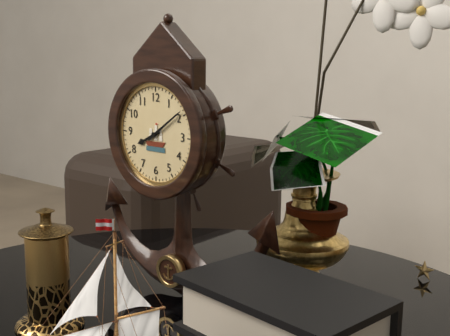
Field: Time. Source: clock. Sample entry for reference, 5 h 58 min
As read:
8 h 09 min
